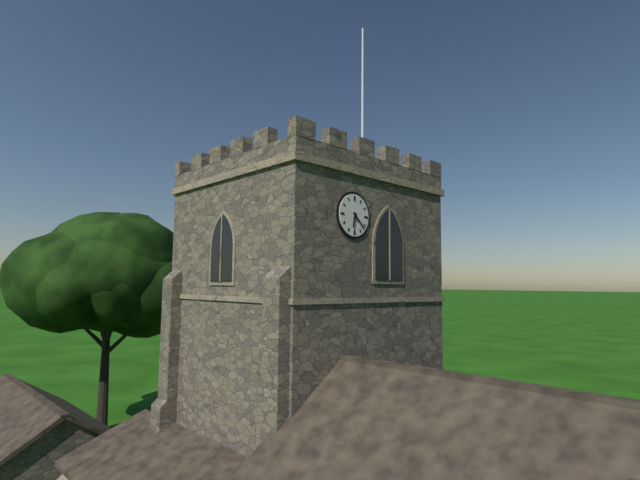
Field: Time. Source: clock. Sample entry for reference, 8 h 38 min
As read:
6 h 22 min
